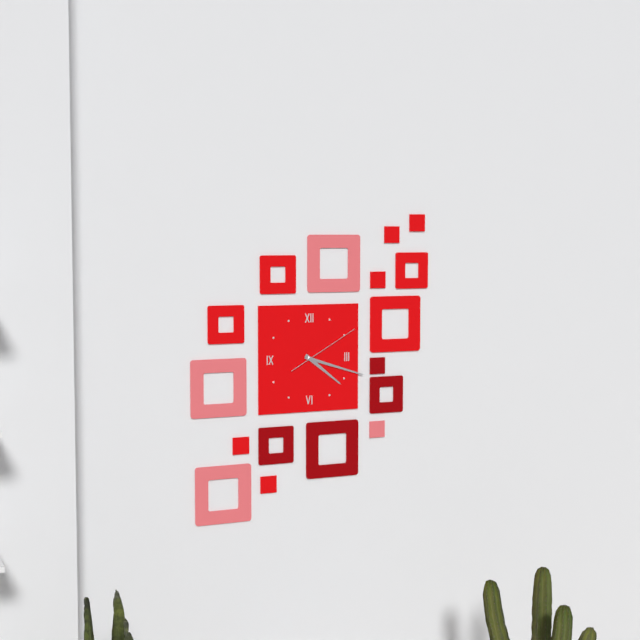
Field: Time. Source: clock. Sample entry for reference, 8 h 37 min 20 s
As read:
4 h 18 min 10 s
